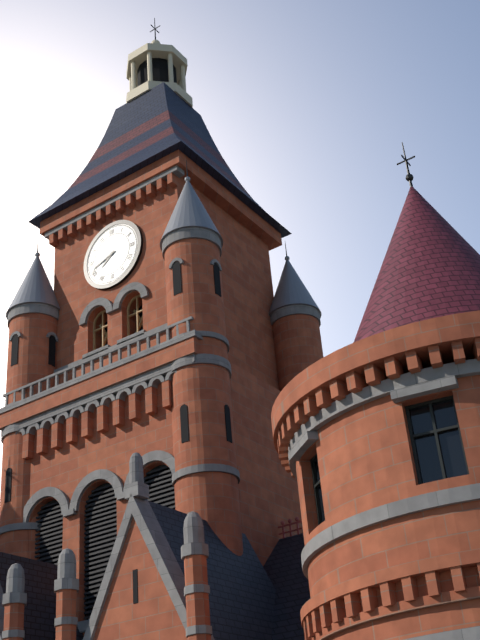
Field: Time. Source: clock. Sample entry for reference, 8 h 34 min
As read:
7 h 42 min
